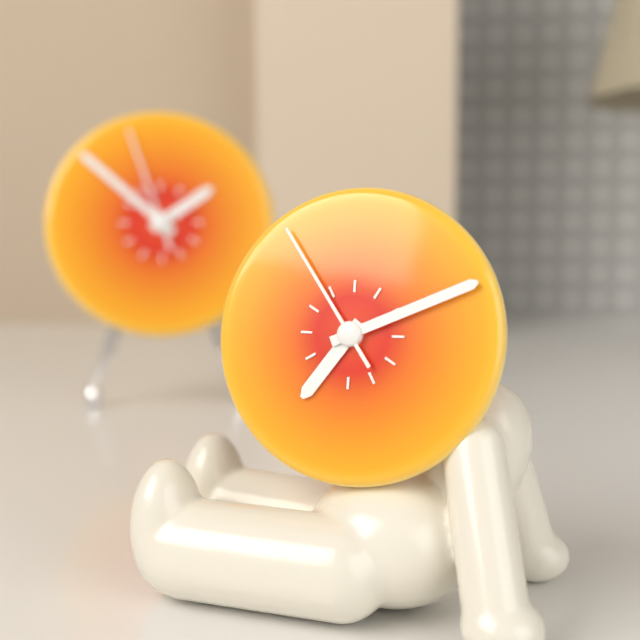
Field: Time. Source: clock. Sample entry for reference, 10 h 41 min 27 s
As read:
7 h 11 min 54 s
